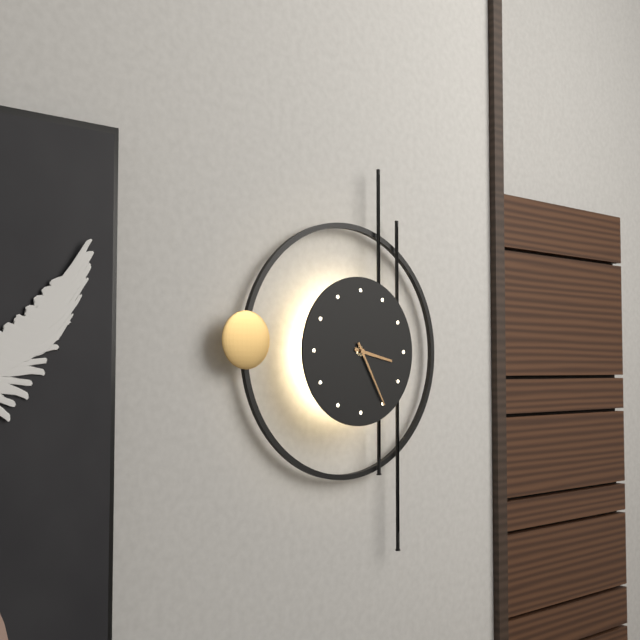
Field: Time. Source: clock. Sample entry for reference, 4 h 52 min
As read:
3 h 25 min
